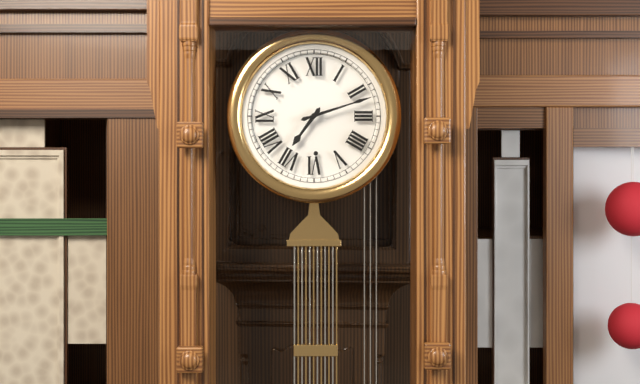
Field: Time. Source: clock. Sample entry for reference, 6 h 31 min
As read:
7 h 12 min
